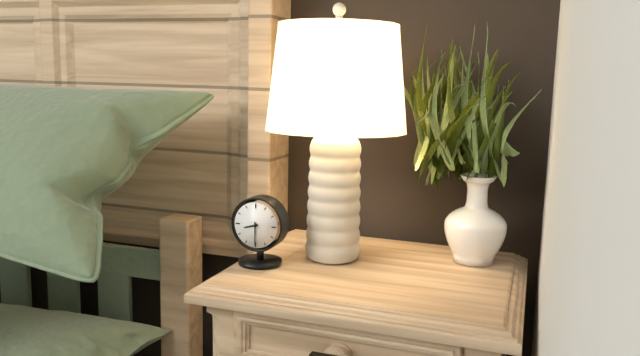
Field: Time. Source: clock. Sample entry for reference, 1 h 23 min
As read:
8 h 30 min
